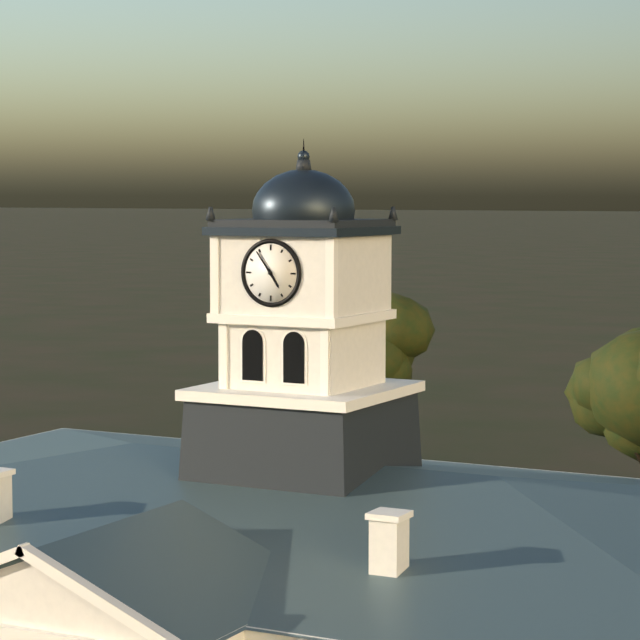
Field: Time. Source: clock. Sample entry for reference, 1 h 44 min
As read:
4 h 54 min
